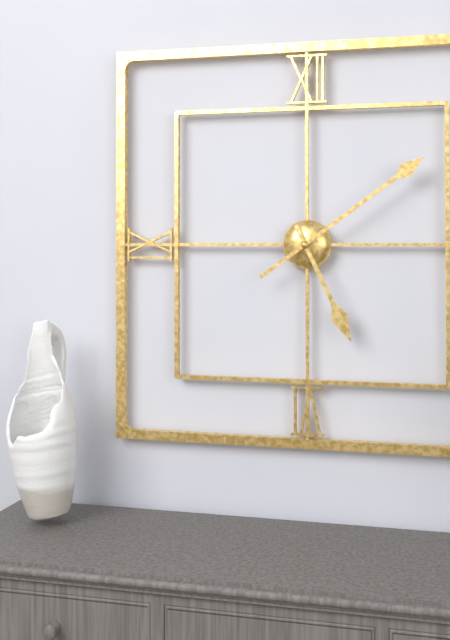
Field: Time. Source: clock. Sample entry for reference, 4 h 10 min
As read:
5 h 09 min
